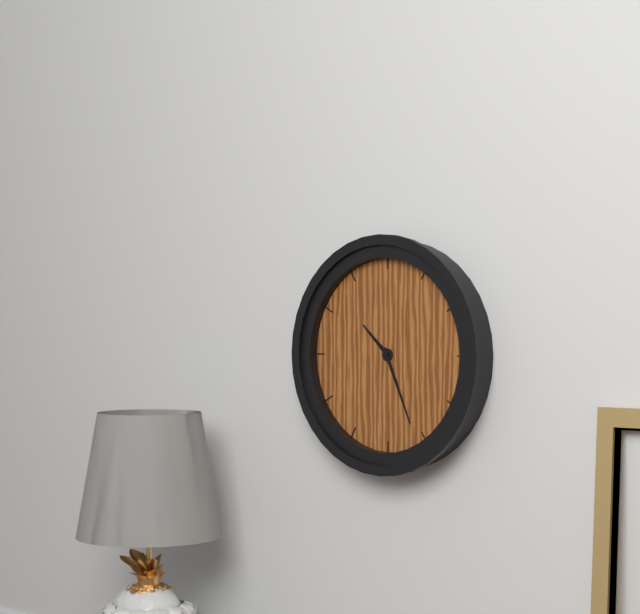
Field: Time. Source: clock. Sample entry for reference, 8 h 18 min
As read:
10 h 26 min
